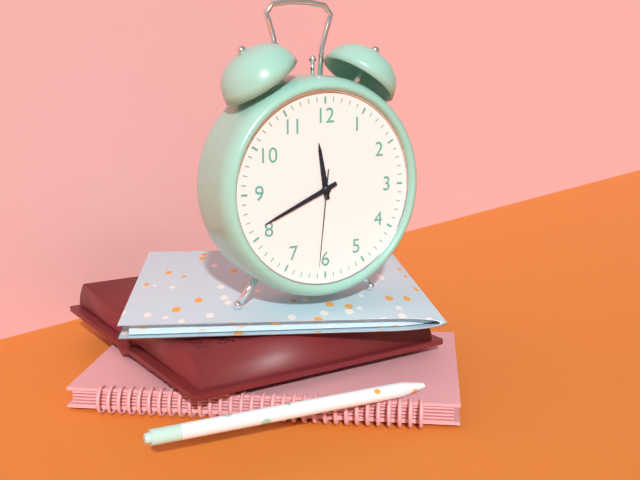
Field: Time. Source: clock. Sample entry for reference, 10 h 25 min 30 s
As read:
11 h 41 min 31 s
